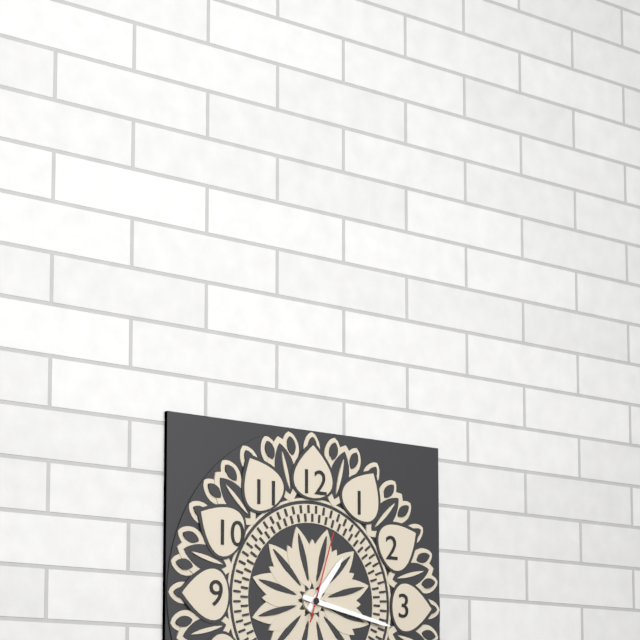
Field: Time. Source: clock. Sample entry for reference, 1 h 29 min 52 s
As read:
1 h 17 min 03 s
